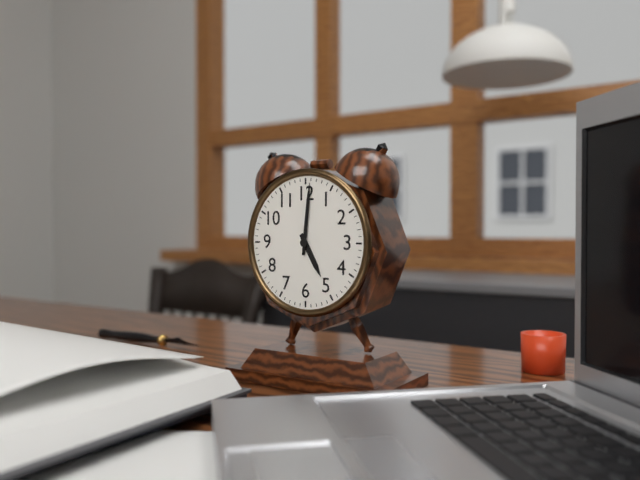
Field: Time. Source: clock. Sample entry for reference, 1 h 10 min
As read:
5 h 01 min
